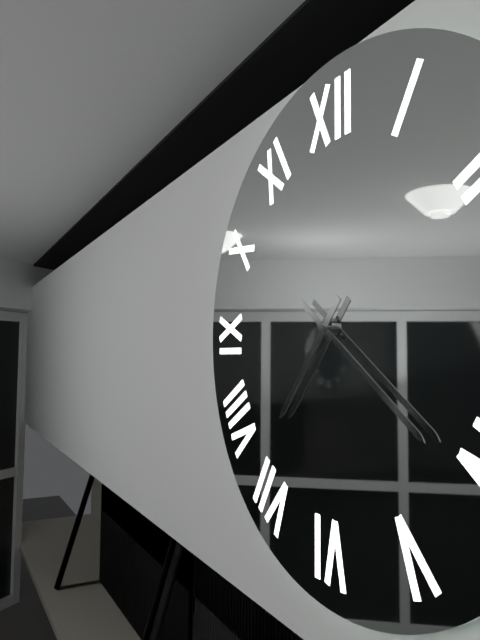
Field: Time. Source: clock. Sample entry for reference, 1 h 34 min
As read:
7 h 21 min
